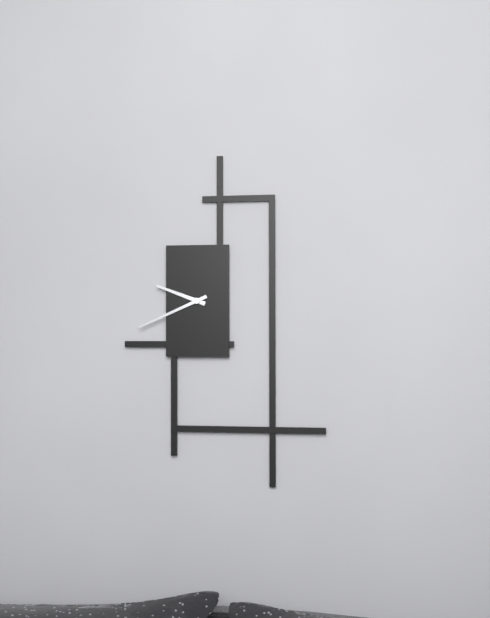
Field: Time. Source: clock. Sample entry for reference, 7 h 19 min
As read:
9 h 41 min
